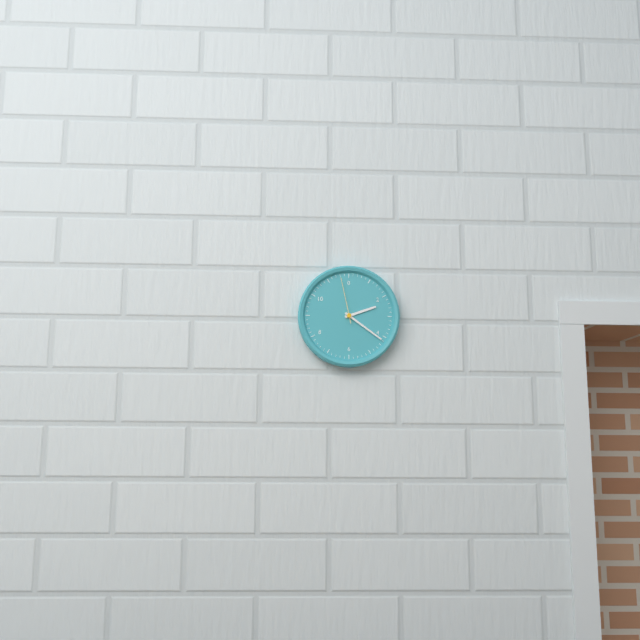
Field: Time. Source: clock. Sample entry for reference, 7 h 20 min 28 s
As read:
2 h 21 min 58 s
